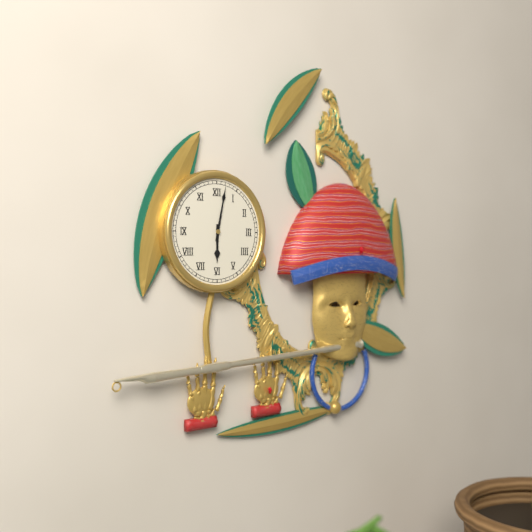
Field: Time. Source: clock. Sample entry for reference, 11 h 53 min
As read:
6 h 02 min
